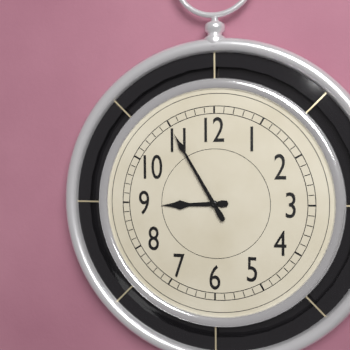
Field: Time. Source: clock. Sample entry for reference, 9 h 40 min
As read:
8 h 55 min
